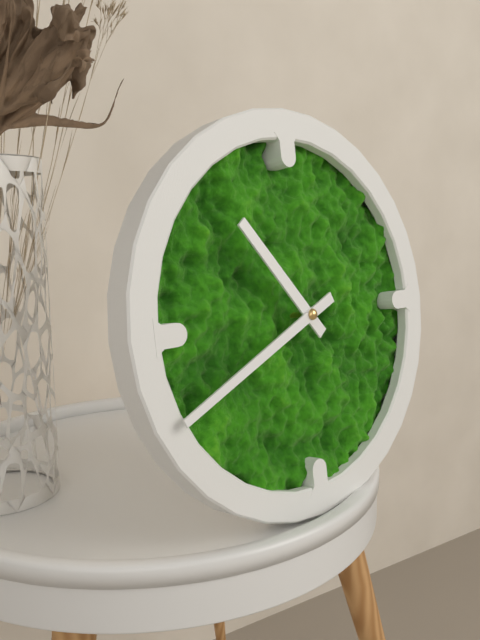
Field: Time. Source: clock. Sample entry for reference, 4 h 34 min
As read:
10 h 41 min
